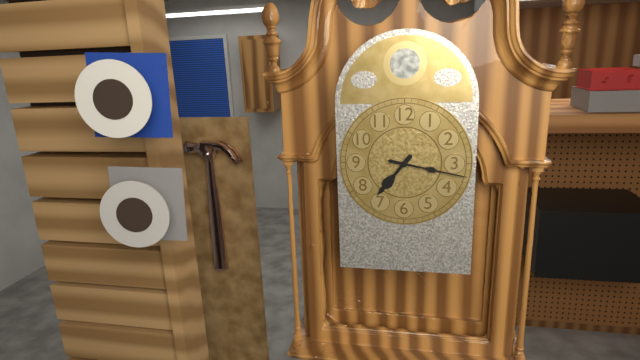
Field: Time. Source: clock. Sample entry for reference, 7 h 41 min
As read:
7 h 17 min
